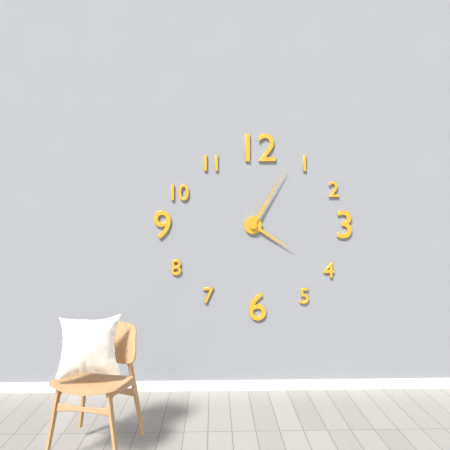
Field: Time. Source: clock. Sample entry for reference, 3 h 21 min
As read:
4 h 05 min
